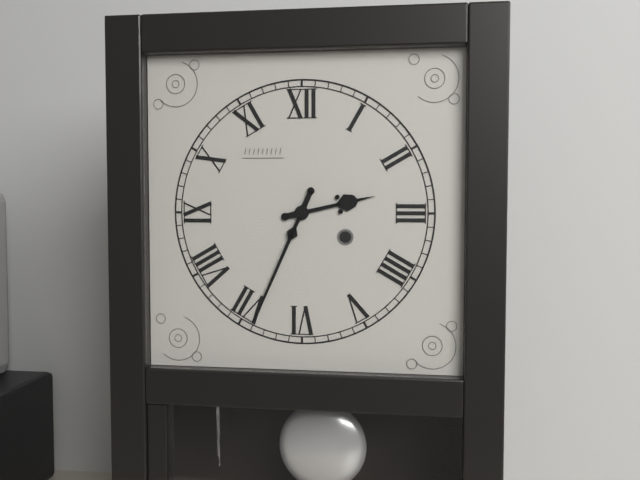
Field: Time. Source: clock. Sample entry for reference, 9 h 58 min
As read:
2 h 34 min
